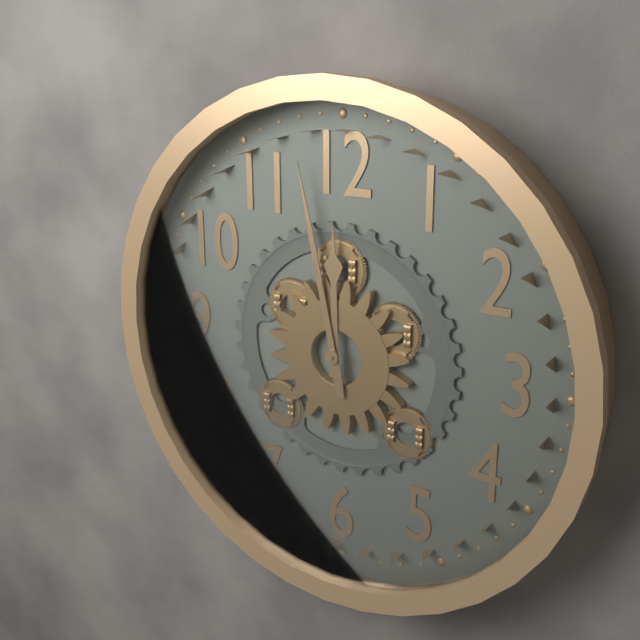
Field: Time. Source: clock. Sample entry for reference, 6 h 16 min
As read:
11 h 58 min
